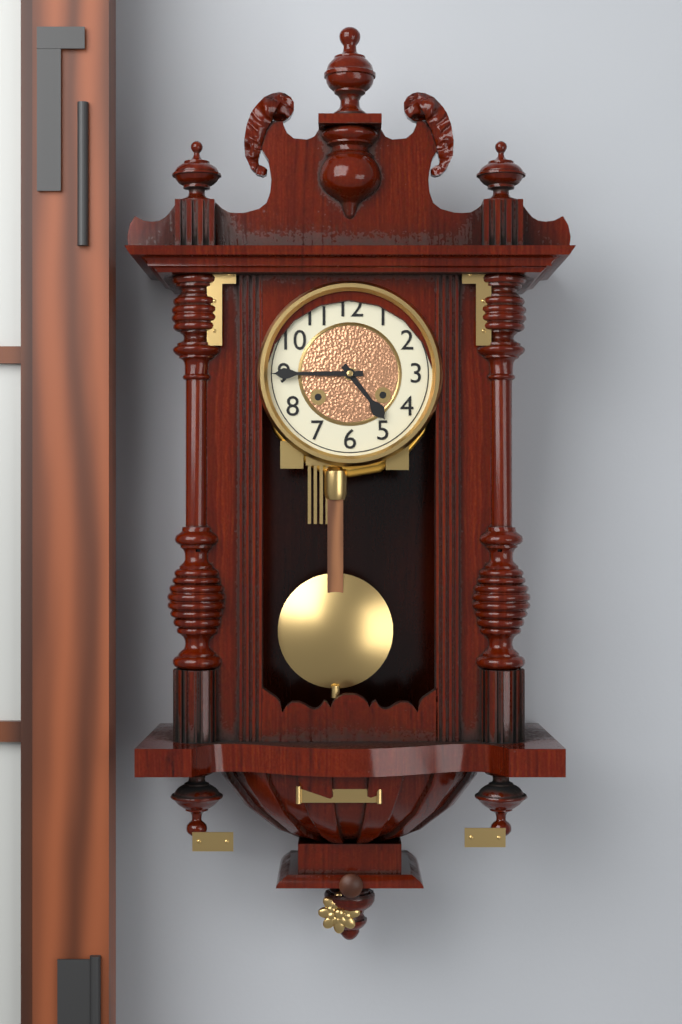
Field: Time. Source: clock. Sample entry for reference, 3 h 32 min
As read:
4 h 45 min
